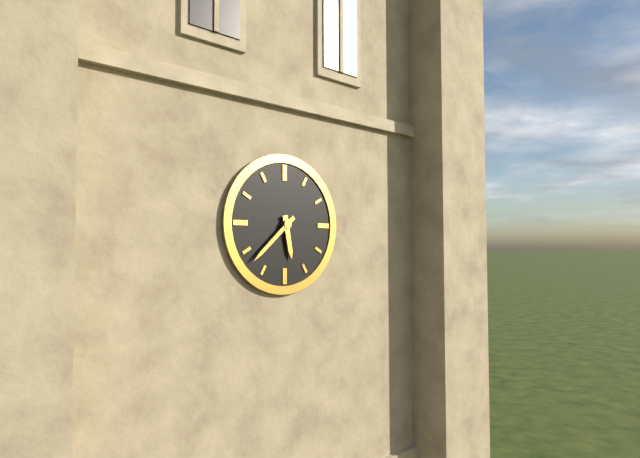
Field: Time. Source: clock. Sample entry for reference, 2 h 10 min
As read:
5 h 38 min
